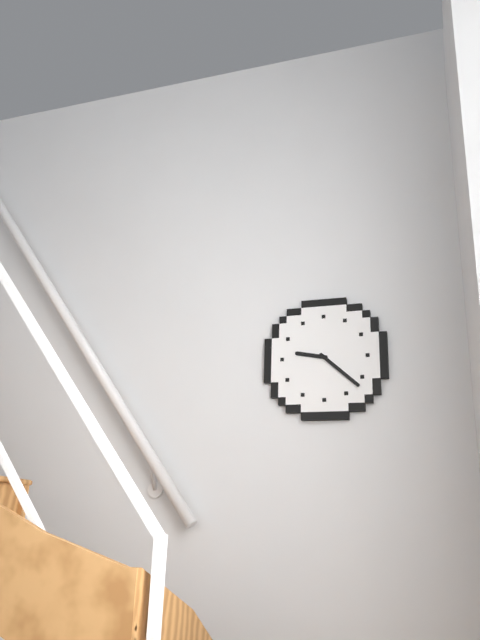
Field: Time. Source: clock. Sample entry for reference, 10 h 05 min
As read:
9 h 22 min
